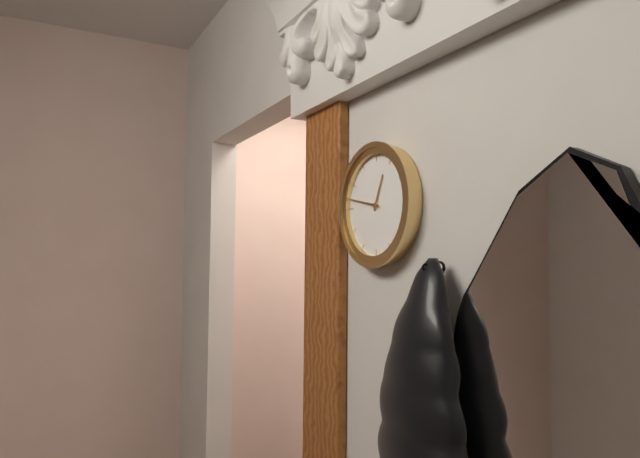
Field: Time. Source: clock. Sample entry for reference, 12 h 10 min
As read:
12 h 47 min
